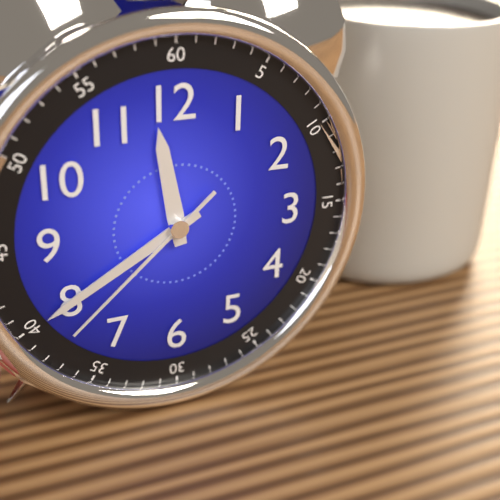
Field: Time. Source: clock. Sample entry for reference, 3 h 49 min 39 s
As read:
11 h 40 min 38 s
